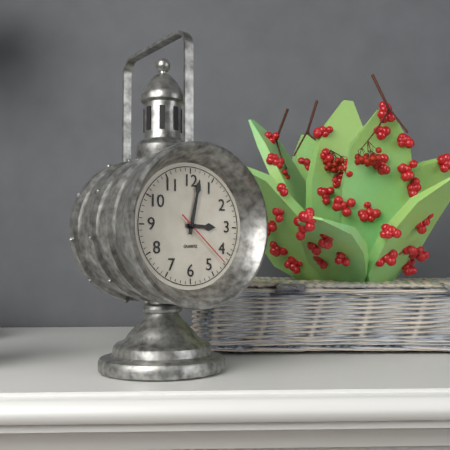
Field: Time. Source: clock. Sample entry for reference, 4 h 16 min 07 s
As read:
3 h 02 min 22 s
